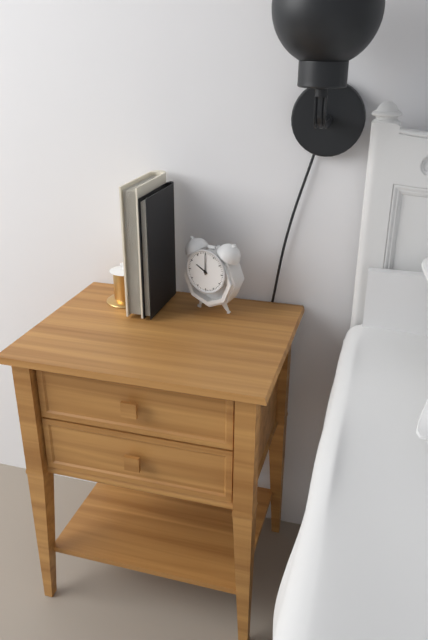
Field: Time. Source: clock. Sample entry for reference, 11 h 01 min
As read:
10 h 00 min
